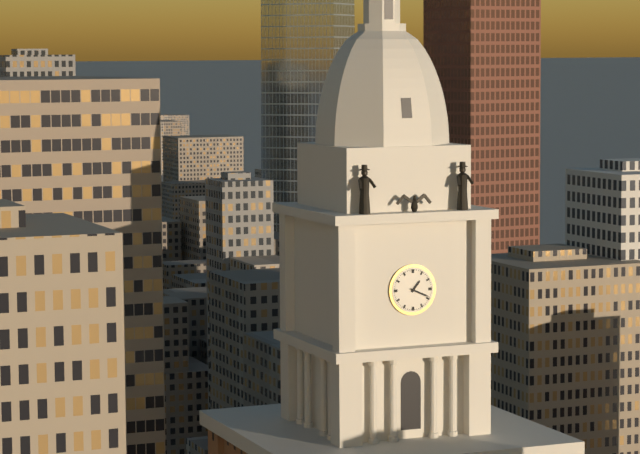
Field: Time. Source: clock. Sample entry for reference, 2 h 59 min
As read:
1 h 19 min
